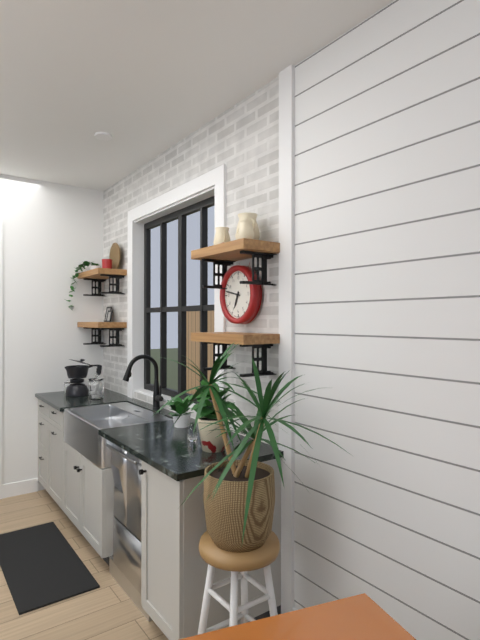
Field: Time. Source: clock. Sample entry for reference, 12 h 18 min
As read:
6 h 47 min
